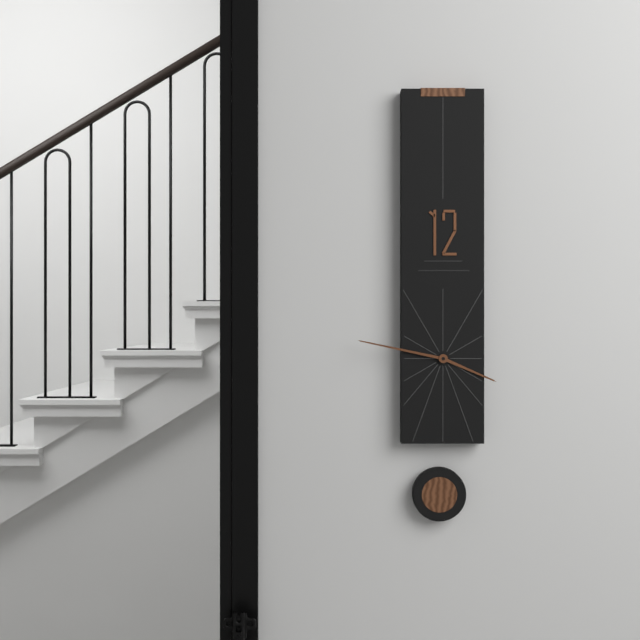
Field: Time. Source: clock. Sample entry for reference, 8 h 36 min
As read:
3 h 47 min
